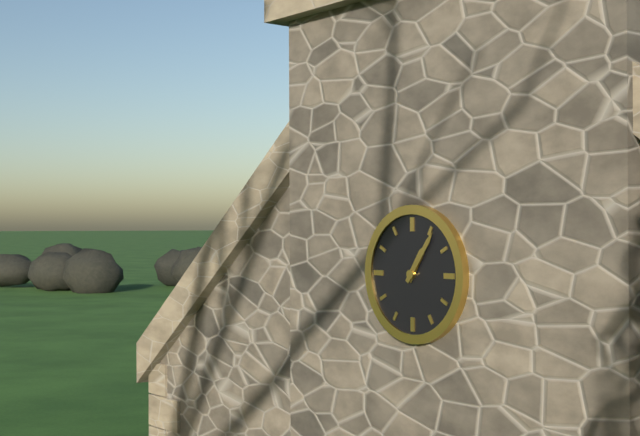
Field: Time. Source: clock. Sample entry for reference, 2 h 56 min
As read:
1 h 06 min
